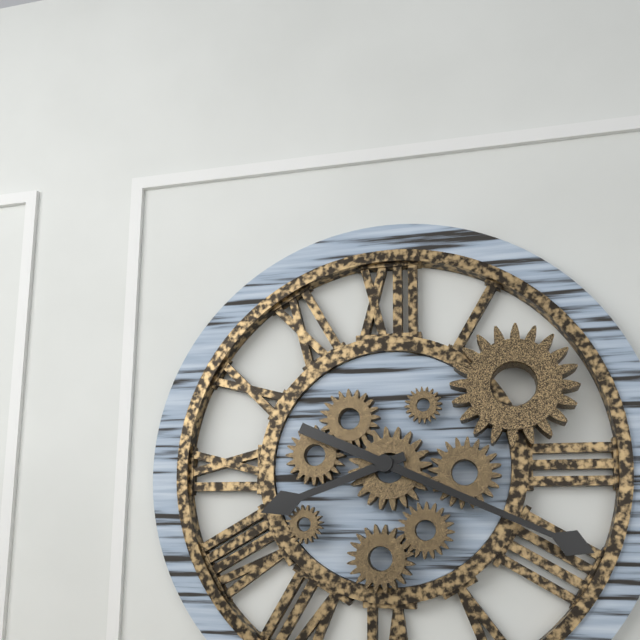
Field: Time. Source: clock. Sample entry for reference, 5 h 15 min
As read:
8 h 19 min
